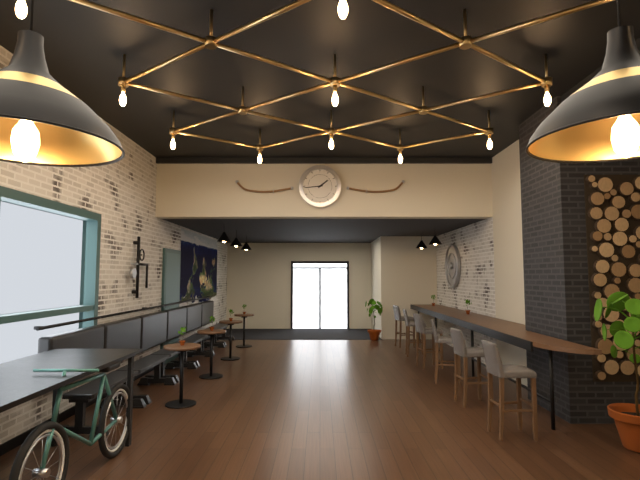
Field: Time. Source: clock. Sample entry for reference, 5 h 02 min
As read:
1 h 44 min
